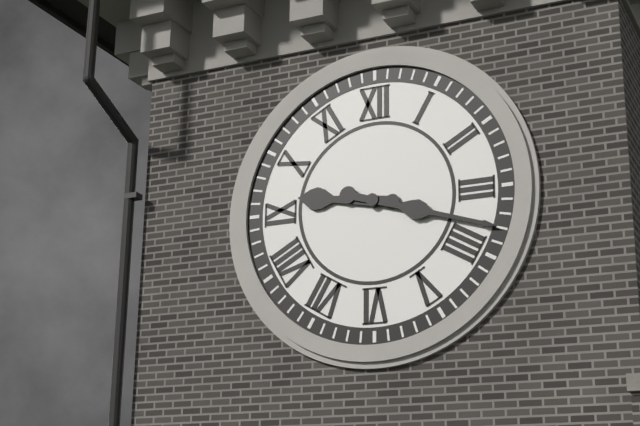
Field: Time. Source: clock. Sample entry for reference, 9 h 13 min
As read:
9 h 18 min
